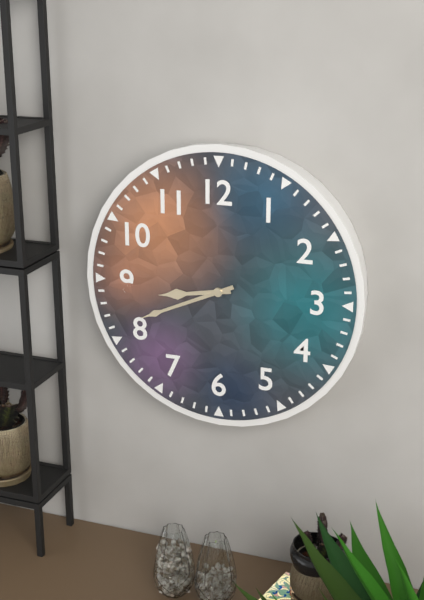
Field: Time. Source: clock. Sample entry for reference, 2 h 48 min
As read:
8 h 41 min
